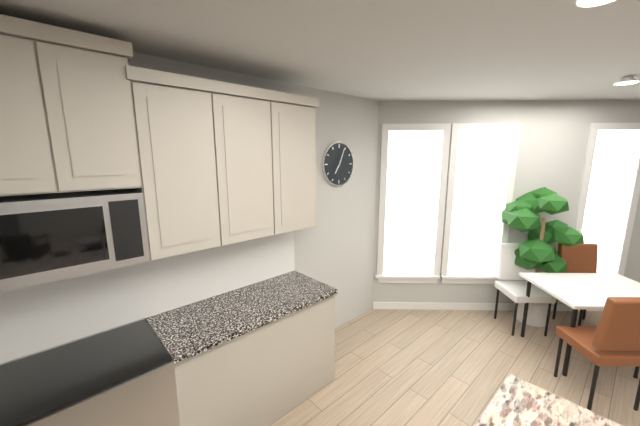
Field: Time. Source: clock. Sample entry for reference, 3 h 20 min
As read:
7 h 04 min
